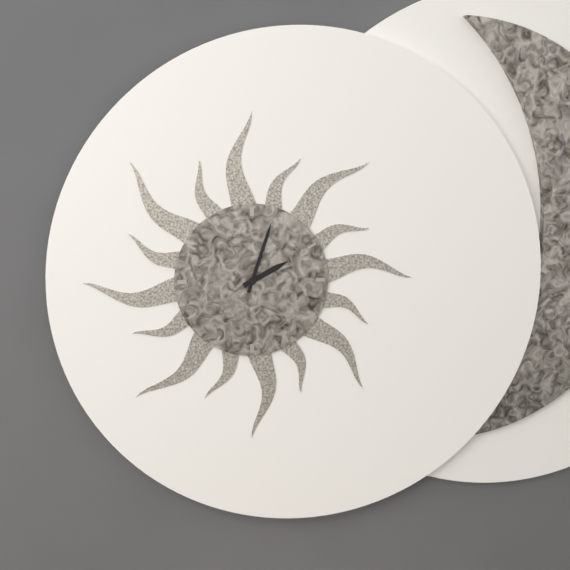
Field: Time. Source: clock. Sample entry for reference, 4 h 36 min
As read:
2 h 03 min
